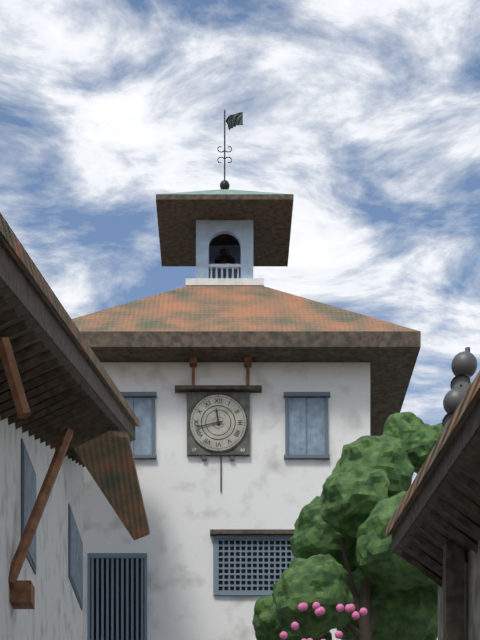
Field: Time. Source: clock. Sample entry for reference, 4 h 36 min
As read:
11 h 43 min
